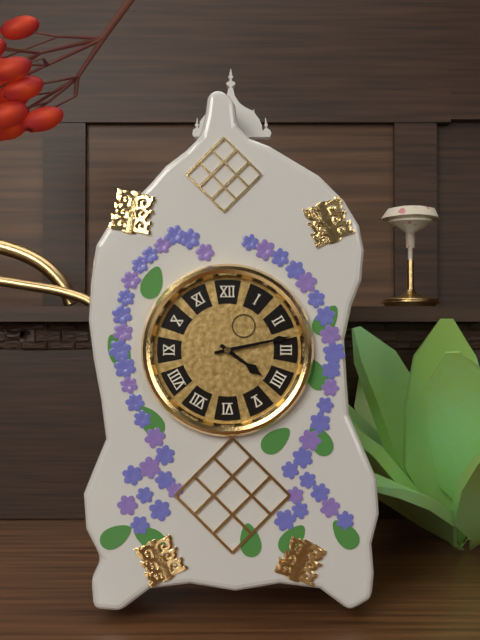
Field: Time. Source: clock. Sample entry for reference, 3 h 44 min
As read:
4 h 13 min
